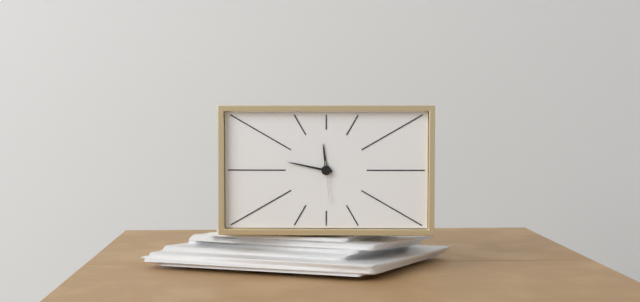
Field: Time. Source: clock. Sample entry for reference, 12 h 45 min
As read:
11 h 47 min
